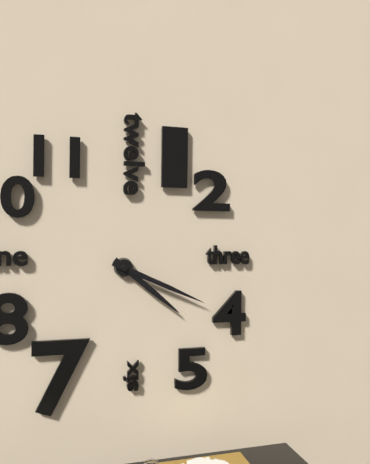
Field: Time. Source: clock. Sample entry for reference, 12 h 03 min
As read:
4 h 19 min
